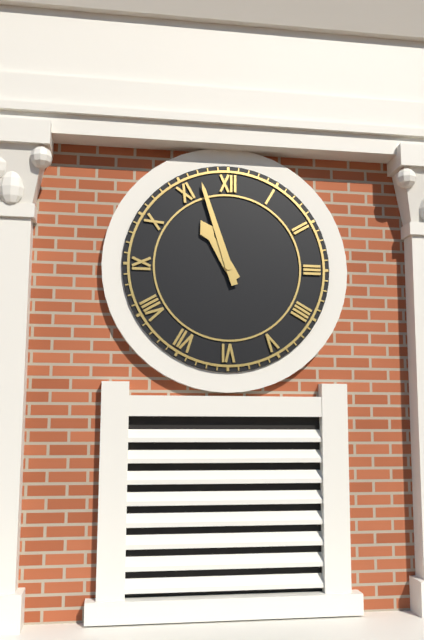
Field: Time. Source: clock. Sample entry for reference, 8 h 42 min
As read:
10 h 57 min
